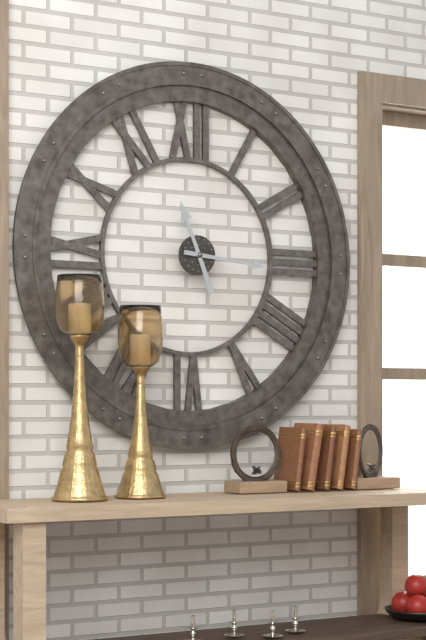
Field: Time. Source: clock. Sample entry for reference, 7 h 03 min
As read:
11 h 16 min
